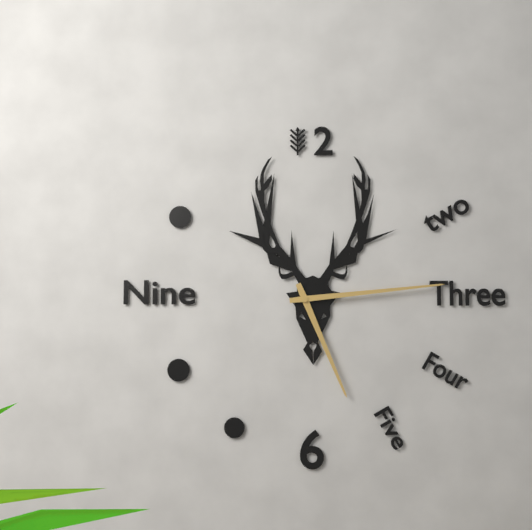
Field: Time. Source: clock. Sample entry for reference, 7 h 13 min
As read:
5 h 14 min
